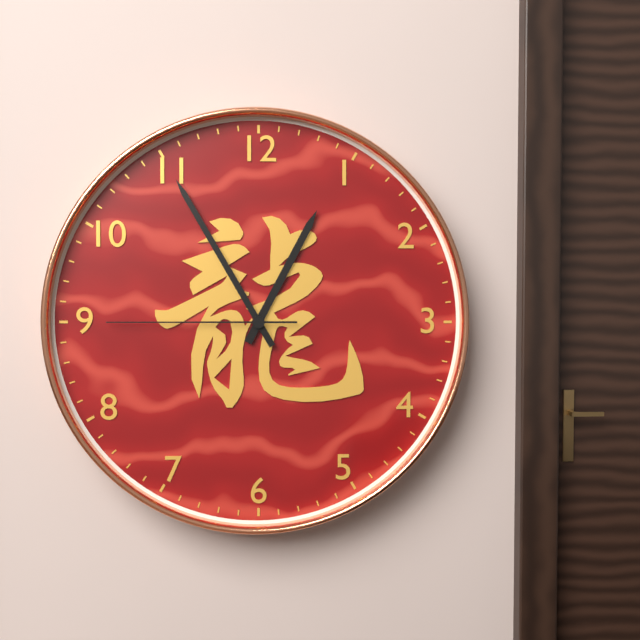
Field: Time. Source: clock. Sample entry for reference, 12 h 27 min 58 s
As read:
12 h 55 min 45 s
